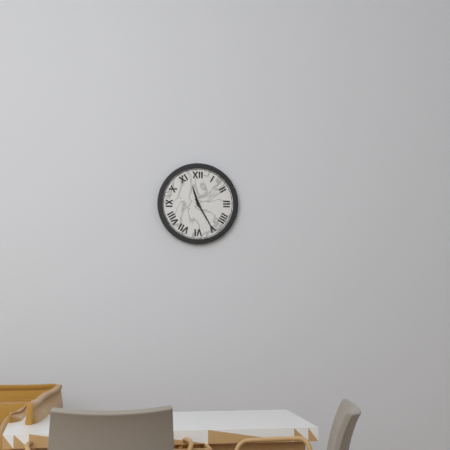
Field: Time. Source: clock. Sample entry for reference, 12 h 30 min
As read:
11 h 25 min
